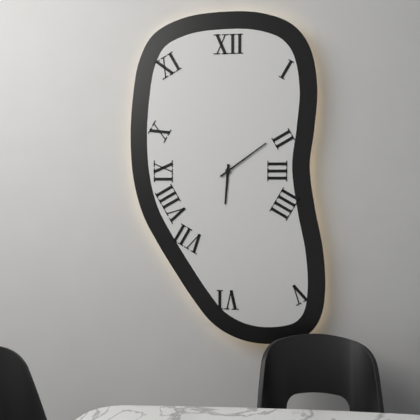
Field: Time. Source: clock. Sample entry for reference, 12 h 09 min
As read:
6 h 09 min
